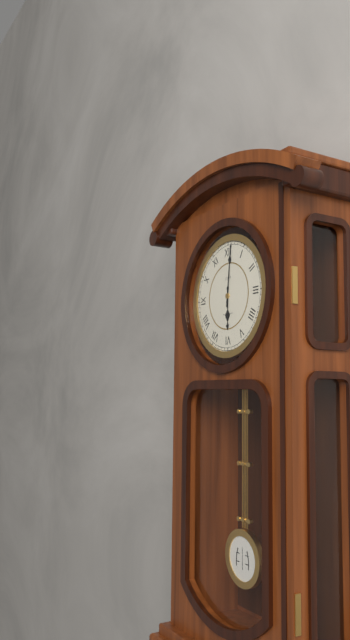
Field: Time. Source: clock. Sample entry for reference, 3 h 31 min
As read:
6 h 01 min
